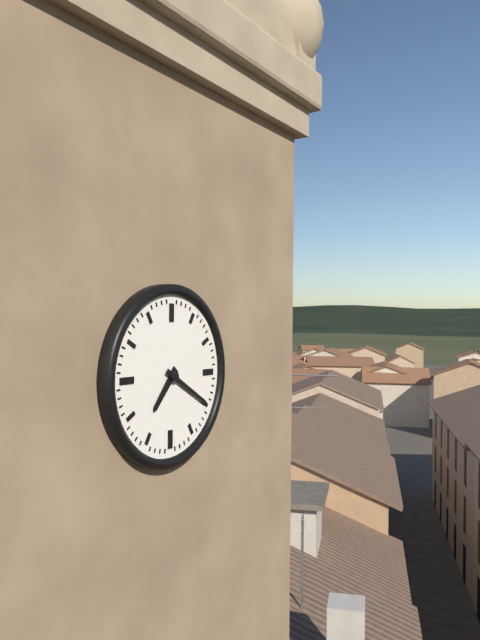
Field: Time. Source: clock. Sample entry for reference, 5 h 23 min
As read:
7 h 20 min
